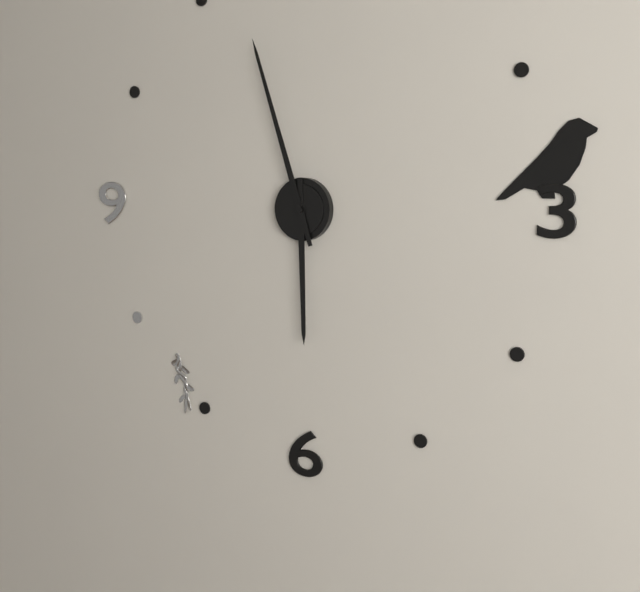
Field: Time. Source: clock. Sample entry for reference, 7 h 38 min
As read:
5 h 57 min
